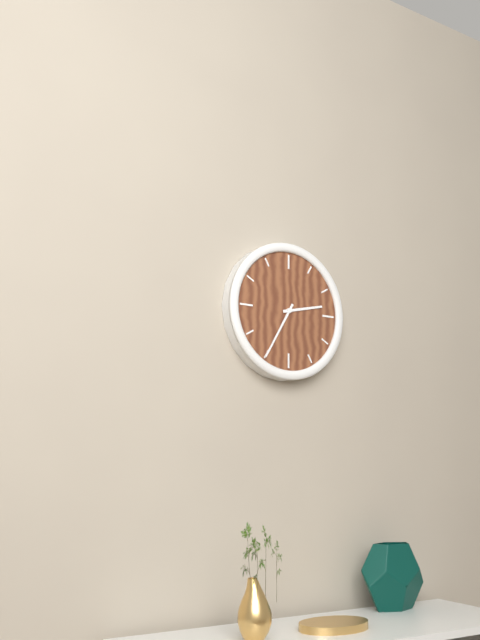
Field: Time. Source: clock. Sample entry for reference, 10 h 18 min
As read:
2 h 35 min
